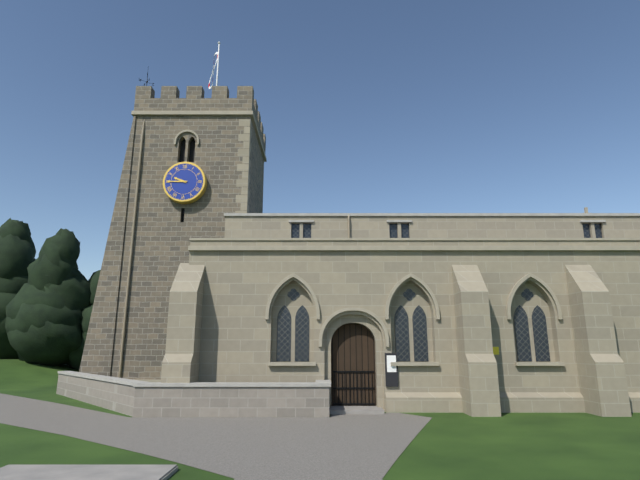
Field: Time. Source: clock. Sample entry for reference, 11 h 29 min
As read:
9 h 45 min
